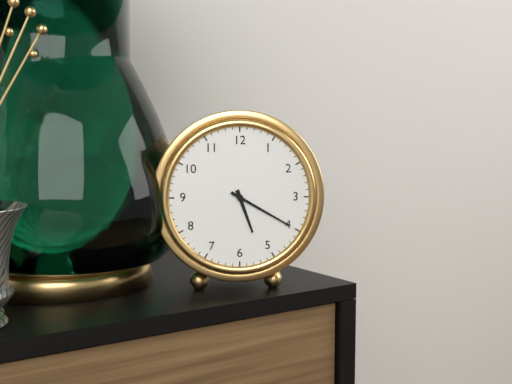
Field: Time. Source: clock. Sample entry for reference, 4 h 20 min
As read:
5 h 20 min
